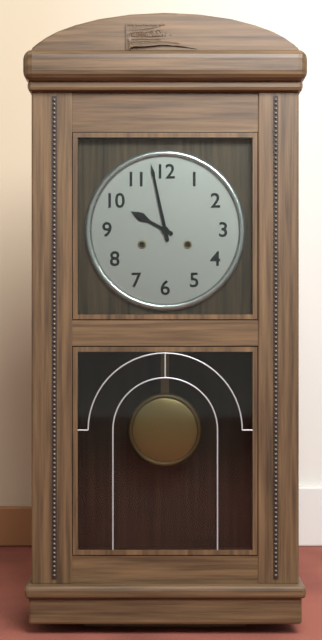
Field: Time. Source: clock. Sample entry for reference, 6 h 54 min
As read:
9 h 58 min
